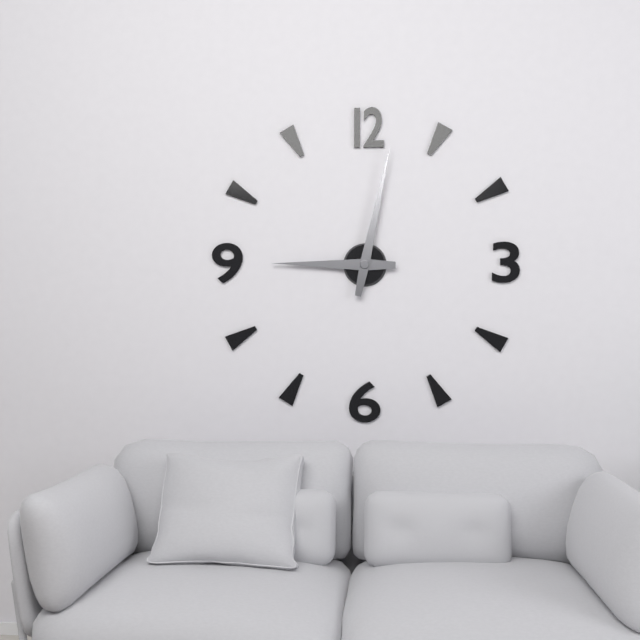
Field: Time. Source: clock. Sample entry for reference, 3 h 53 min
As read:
9 h 02 min
